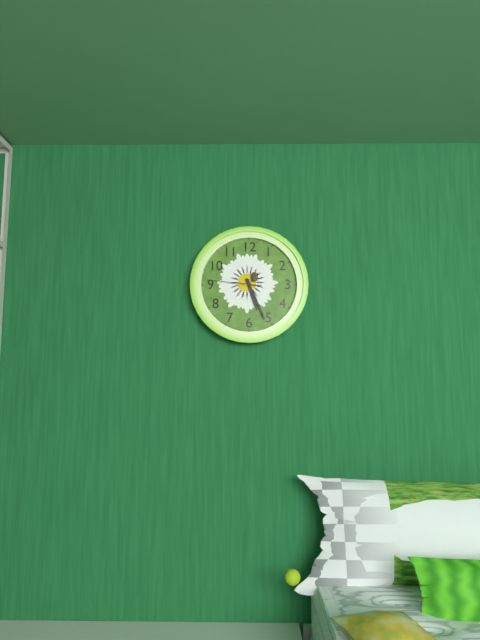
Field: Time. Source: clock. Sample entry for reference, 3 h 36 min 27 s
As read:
5 h 26 min 46 s
